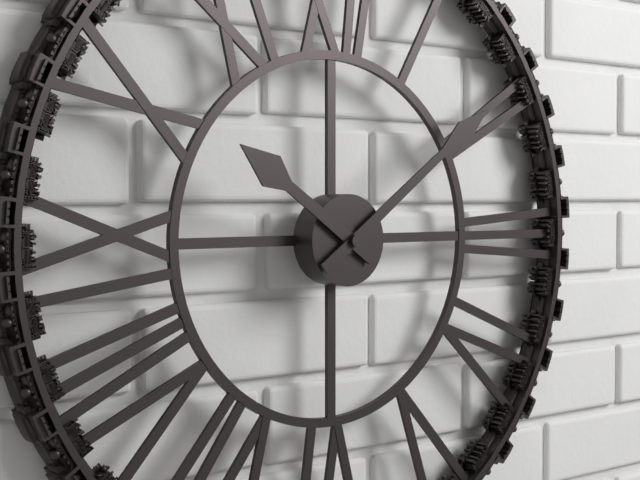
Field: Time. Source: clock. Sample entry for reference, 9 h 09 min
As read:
10 h 09 min
